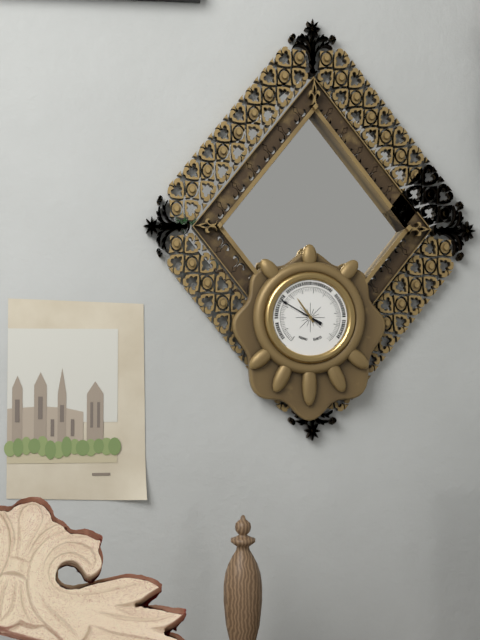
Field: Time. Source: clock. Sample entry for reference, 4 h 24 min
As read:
10 h 50 min
